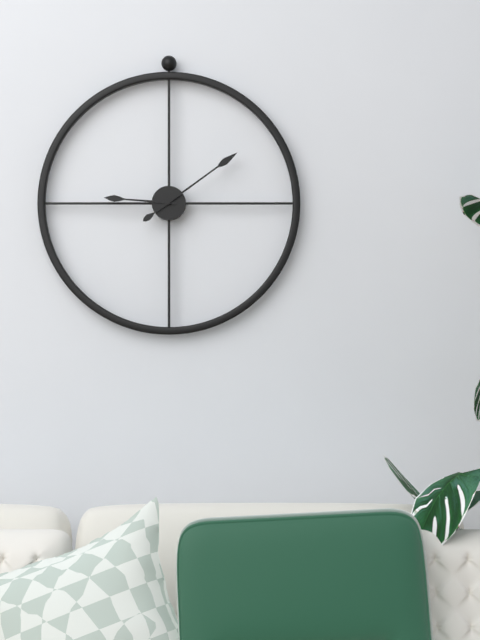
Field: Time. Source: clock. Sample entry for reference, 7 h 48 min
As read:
9 h 09 min
